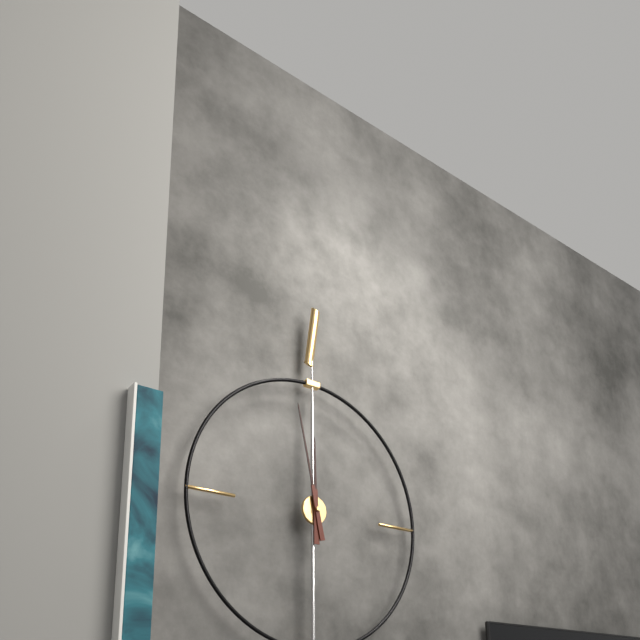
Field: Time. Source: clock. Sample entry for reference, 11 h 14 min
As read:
11 h 58 min
